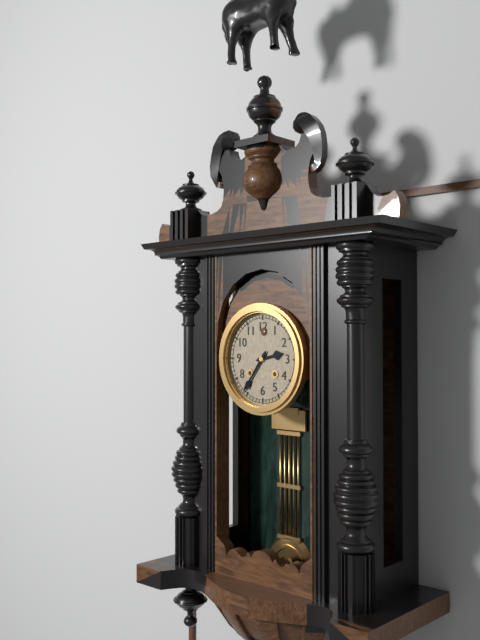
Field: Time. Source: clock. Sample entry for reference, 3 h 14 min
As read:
2 h 36 min
